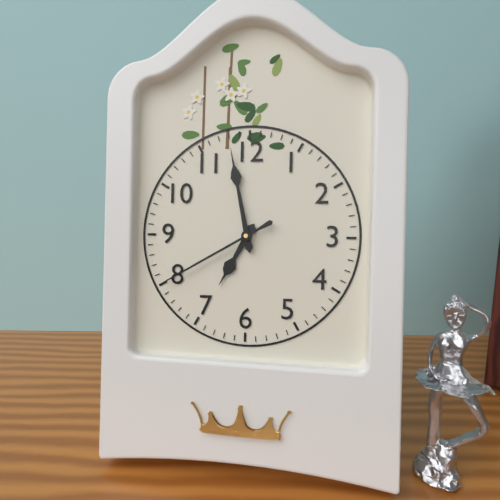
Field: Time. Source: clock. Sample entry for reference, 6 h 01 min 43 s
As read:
6 h 58 min 40 s
